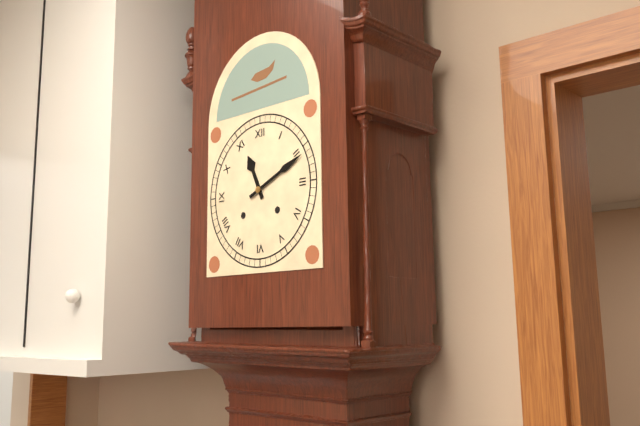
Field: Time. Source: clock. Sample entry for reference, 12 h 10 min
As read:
11 h 11 min
